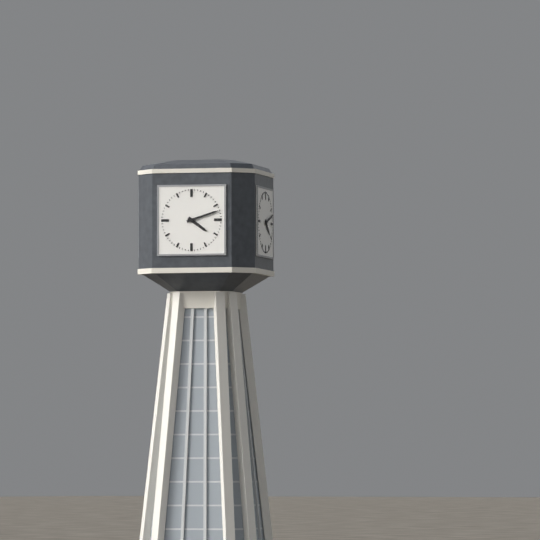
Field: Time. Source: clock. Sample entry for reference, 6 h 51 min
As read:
4 h 12 min
